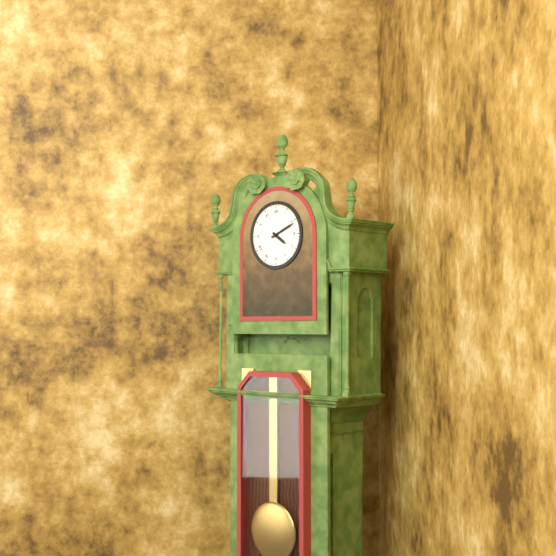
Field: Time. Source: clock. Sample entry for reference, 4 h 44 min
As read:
4 h 11 min
